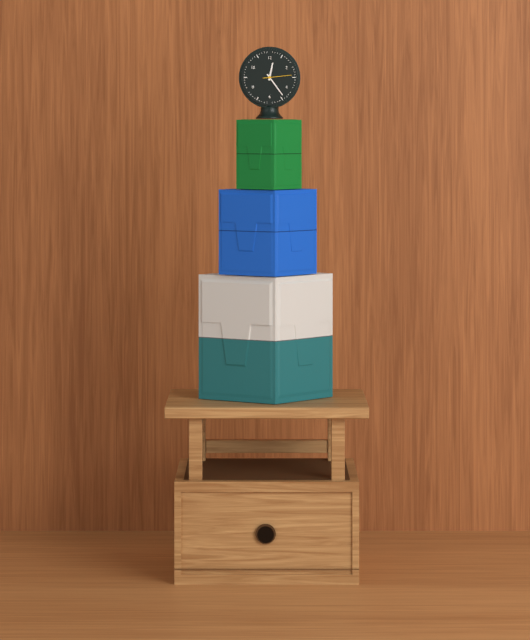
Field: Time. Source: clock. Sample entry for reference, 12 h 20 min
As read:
12 h 24 min
